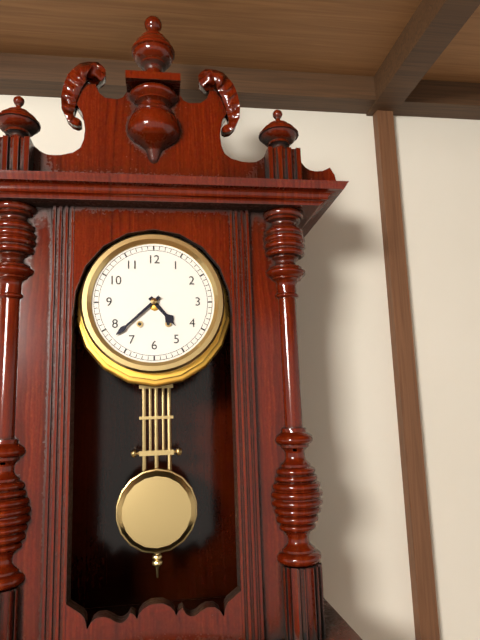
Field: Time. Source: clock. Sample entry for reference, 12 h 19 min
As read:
4 h 38 min
